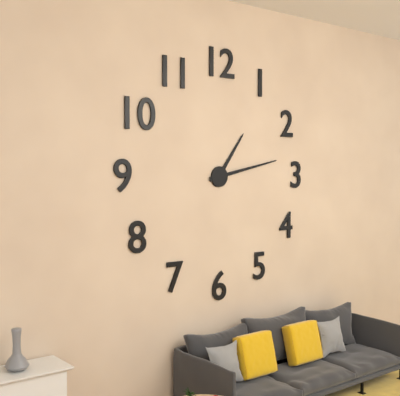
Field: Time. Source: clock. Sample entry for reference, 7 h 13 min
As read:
1 h 13 min
